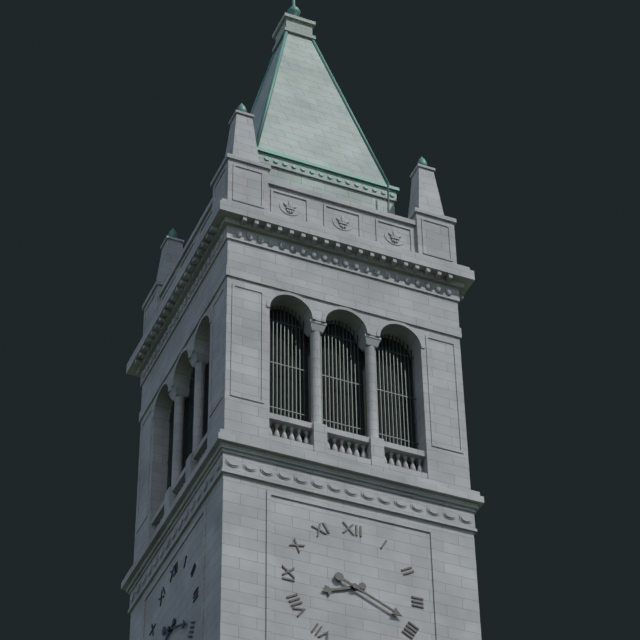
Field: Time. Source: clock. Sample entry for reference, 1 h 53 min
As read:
8 h 19 min
